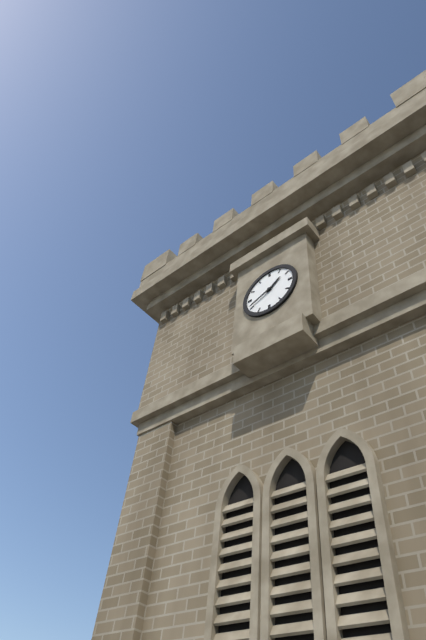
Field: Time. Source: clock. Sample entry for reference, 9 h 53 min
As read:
1 h 41 min
